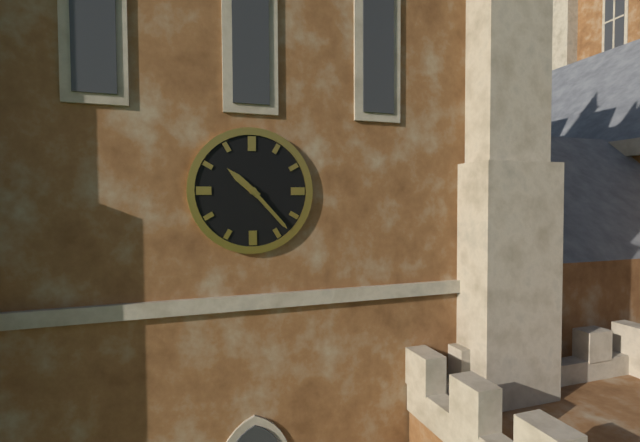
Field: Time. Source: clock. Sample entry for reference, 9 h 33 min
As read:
10 h 23 min
